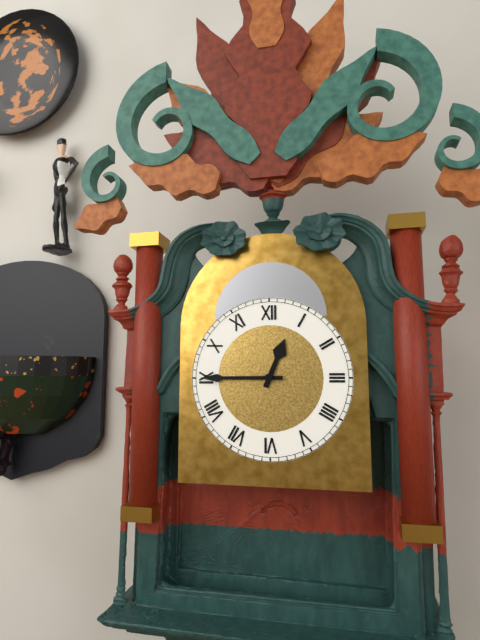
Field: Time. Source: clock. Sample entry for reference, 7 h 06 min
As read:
12 h 45 min
